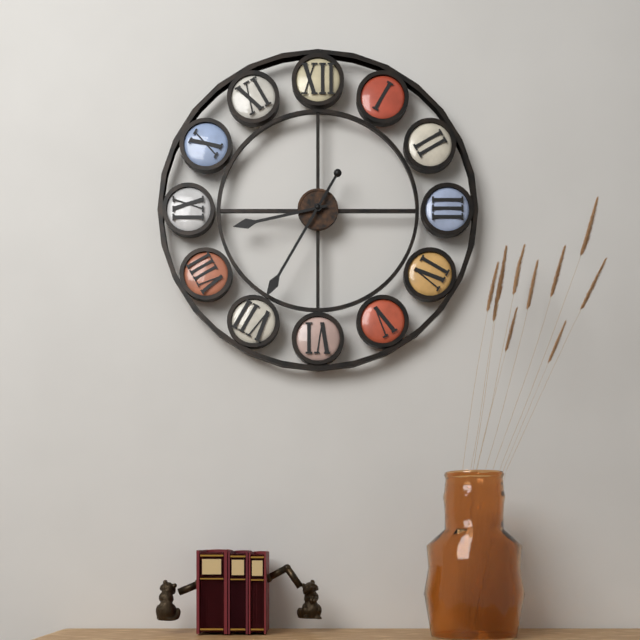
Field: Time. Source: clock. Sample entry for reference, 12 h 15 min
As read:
8 h 35 min
